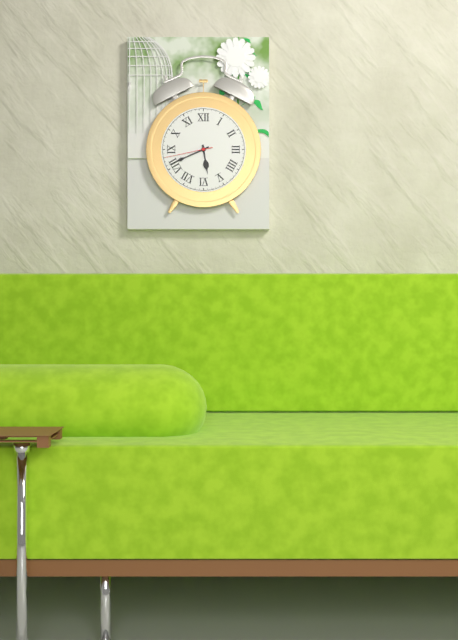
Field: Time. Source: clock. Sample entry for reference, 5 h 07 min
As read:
5 h 41 min
